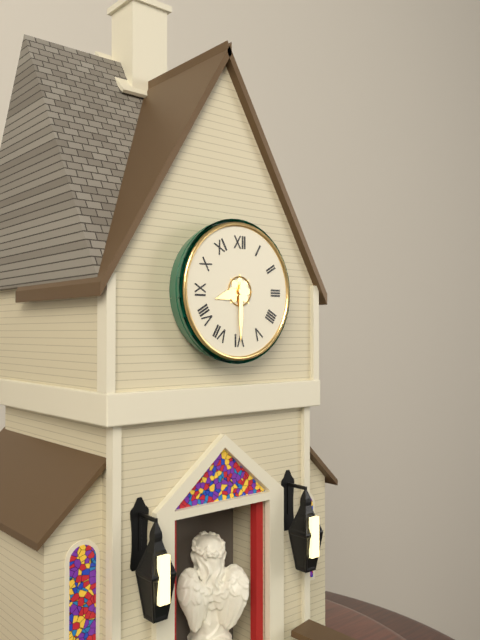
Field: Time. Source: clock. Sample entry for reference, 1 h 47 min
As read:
8 h 30 min
